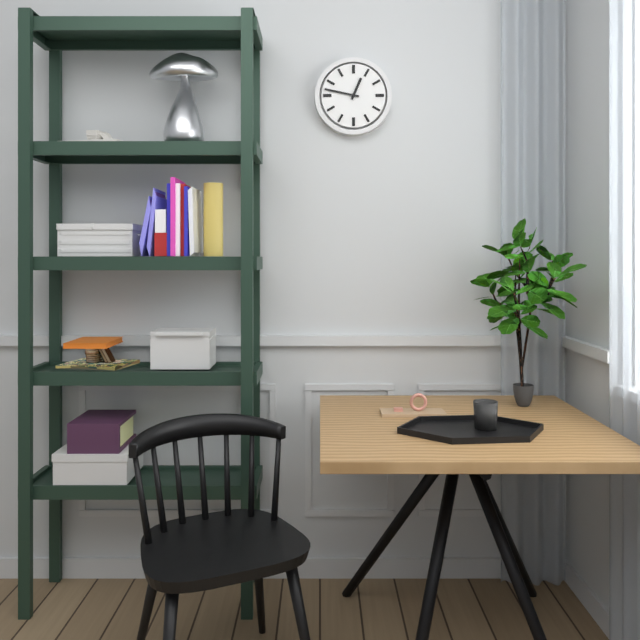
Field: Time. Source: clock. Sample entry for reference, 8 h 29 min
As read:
12 h 47 min
